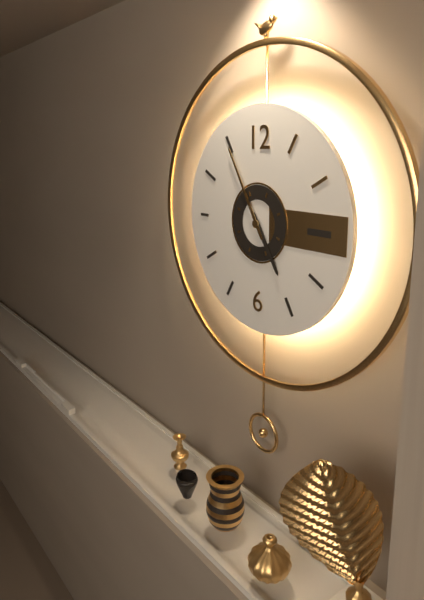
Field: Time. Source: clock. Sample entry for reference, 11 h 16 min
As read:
4 h 55 min
